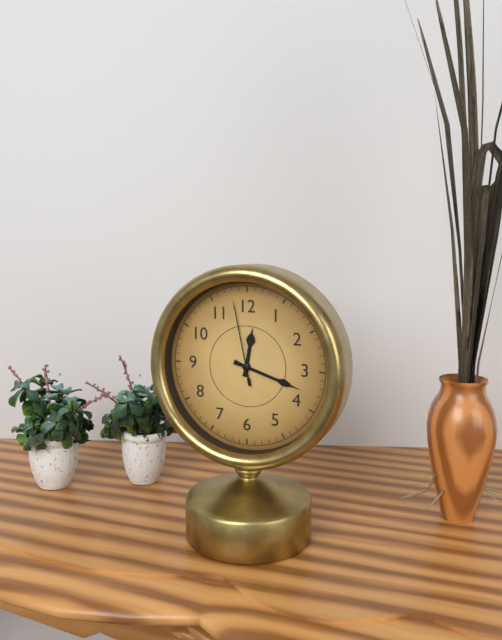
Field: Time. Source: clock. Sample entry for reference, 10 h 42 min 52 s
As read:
12 h 18 min 58 s
